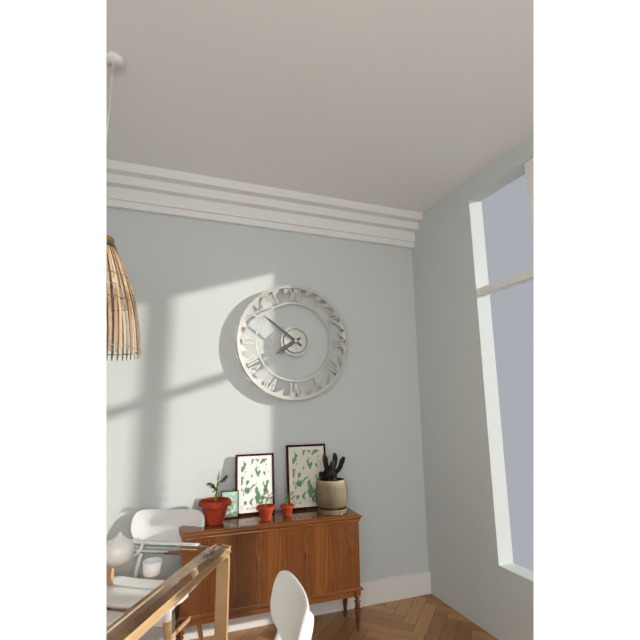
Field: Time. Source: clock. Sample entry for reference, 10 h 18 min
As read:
7 h 51 min
